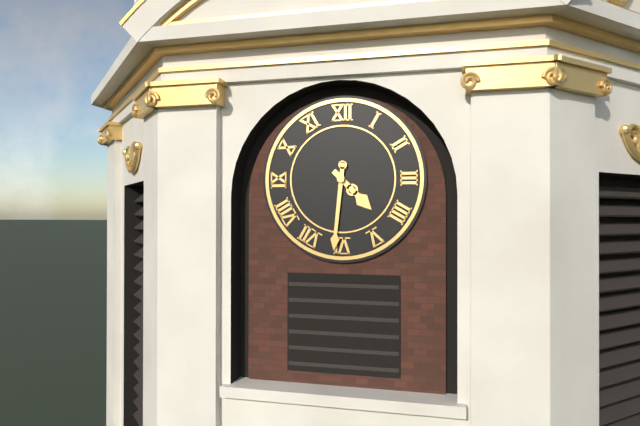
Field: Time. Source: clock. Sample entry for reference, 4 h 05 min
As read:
4 h 31 min
